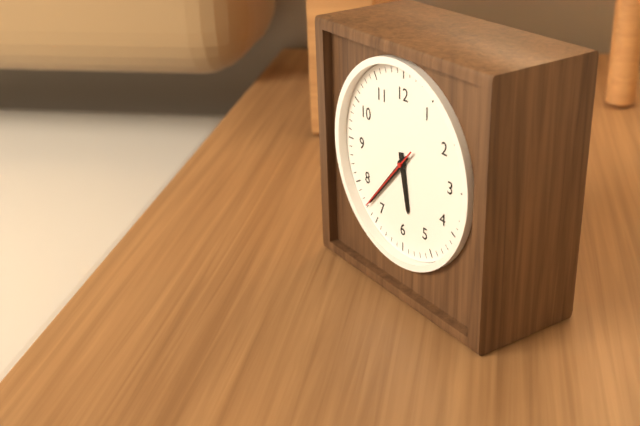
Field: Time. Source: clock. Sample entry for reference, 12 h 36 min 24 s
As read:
5 h 37 min 37 s
